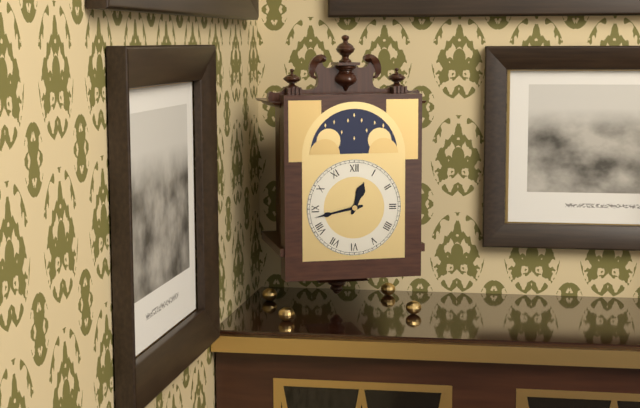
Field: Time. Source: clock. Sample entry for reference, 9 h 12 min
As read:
12 h 43 min
